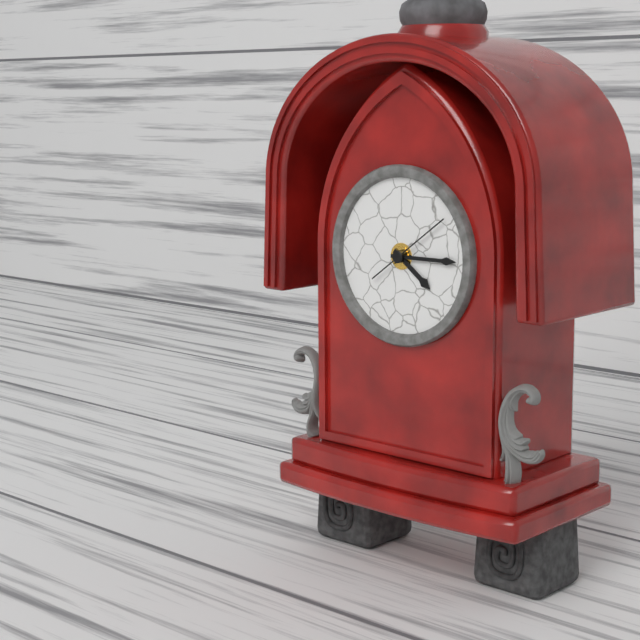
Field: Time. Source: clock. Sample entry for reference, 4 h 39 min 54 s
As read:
4 h 15 min 09 s
